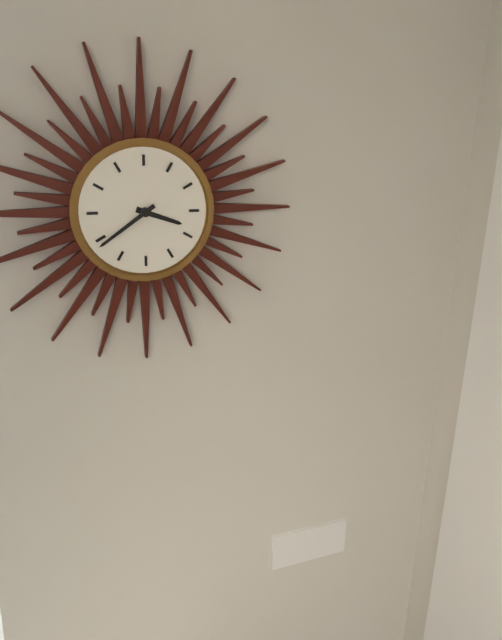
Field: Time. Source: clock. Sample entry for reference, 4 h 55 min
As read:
3 h 39 min
